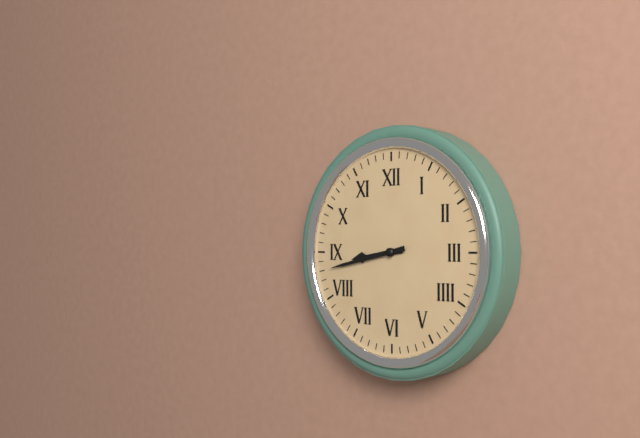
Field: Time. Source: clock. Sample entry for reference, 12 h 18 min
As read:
8 h 43 min
